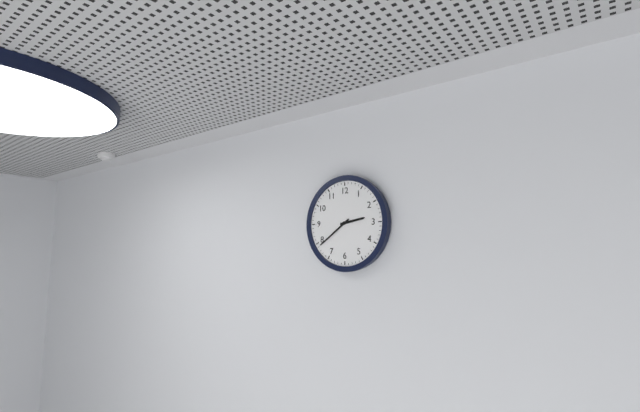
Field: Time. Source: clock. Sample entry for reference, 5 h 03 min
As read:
2 h 39 min
